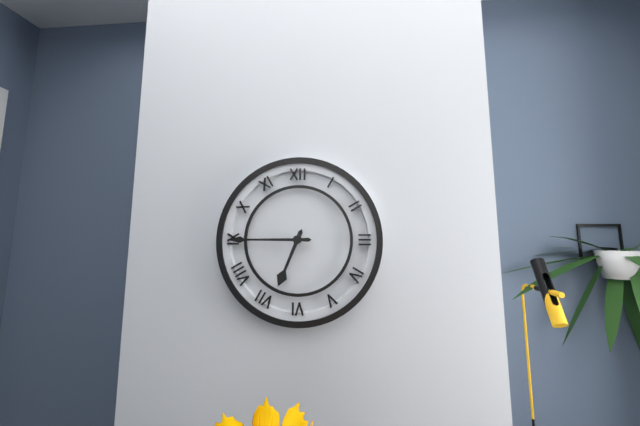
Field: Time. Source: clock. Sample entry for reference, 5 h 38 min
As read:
6 h 45 min
